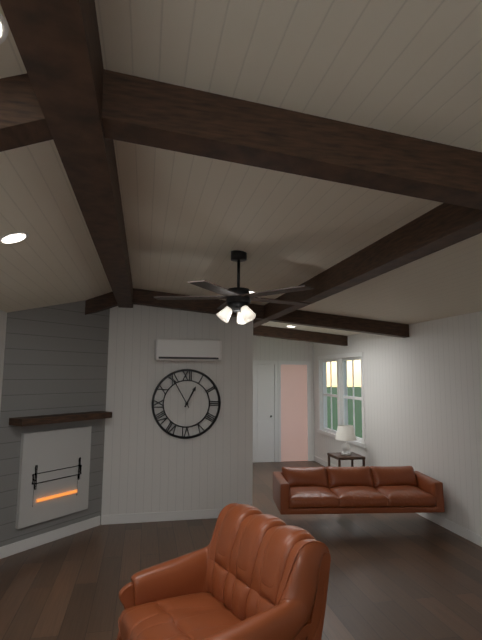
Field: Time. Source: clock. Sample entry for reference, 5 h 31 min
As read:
12 h 55 min
